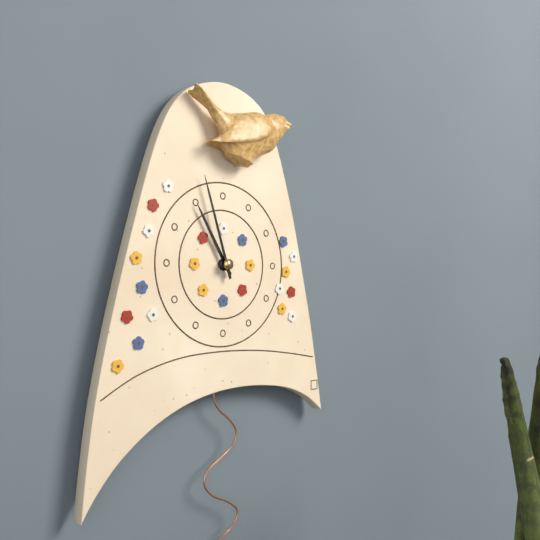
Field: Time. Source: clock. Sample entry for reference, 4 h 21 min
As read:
10 h 57 min
